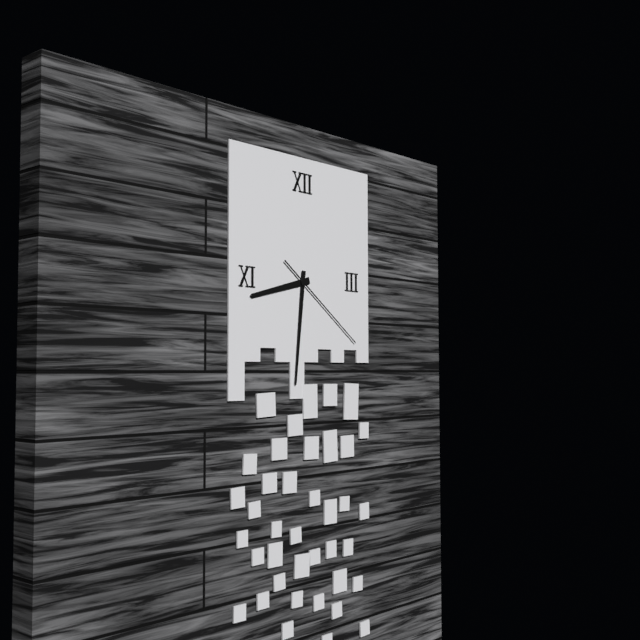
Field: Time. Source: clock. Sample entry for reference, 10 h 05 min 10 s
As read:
8 h 31 min 21 s
